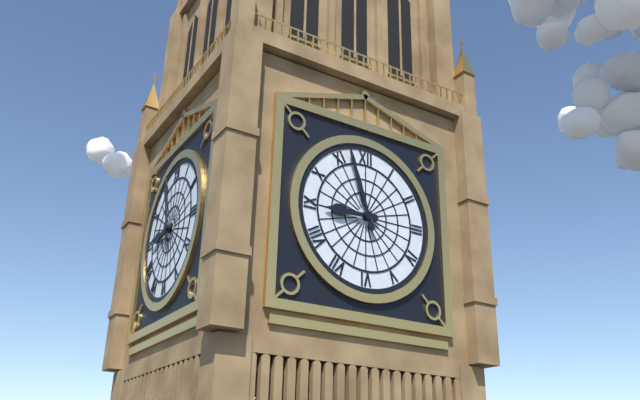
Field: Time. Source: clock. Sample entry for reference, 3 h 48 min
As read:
8 h 57 min
